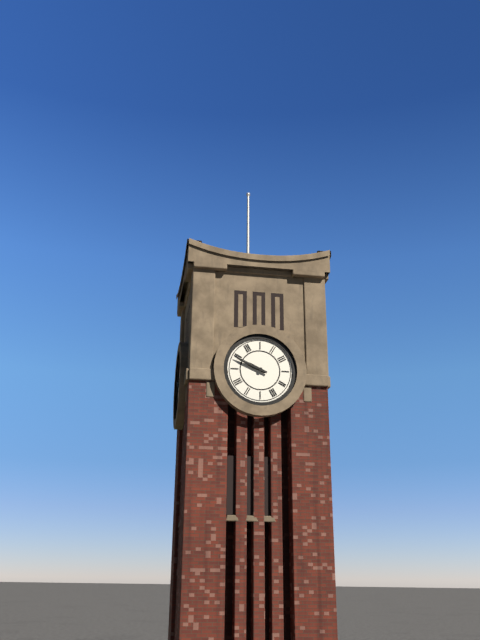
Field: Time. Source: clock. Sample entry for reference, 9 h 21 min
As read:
9 h 49 min
